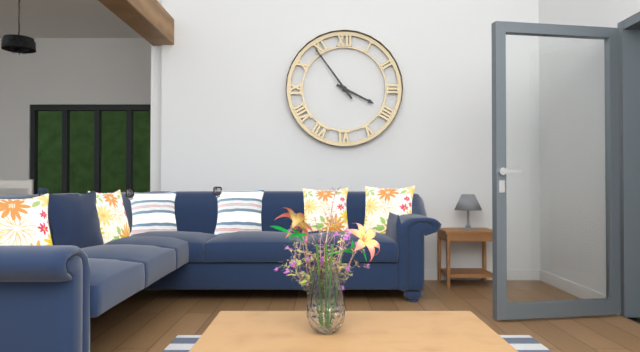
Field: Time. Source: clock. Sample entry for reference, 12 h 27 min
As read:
3 h 54 min
